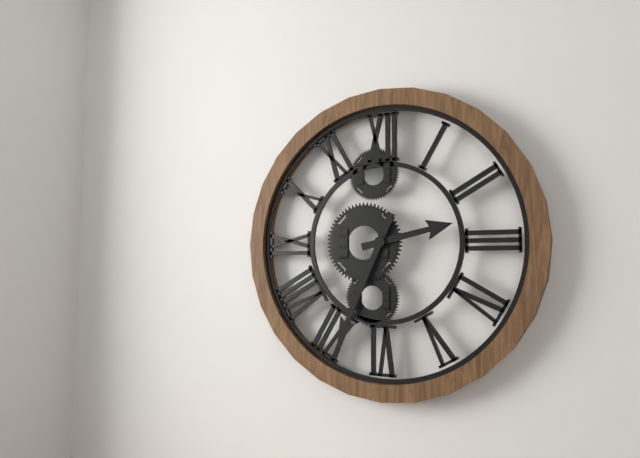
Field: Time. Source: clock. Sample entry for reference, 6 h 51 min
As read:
2 h 34 min
